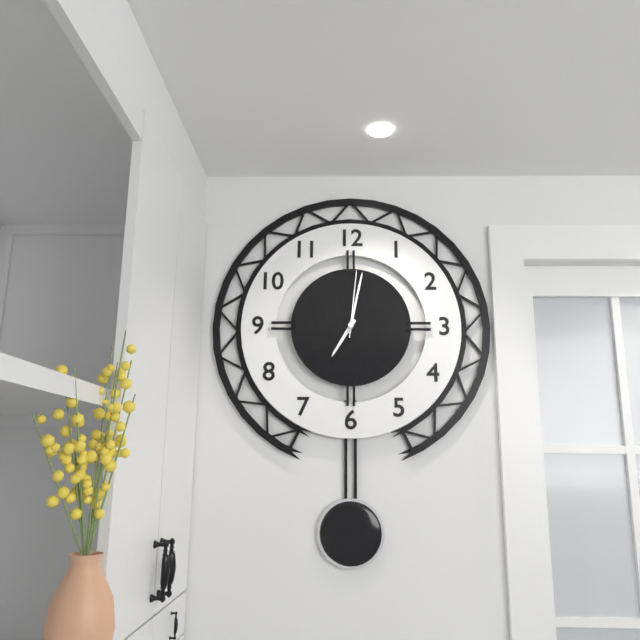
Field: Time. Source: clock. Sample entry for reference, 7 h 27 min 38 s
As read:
7 h 02 min 01 s
